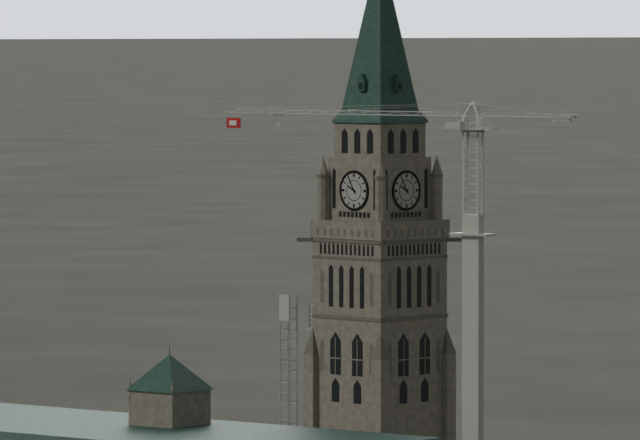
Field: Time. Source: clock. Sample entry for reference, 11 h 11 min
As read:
9 h 55 min
